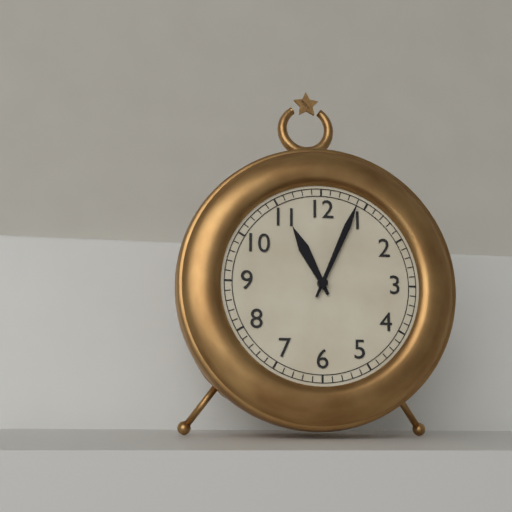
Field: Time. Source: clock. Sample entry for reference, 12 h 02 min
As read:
11 h 04 min
